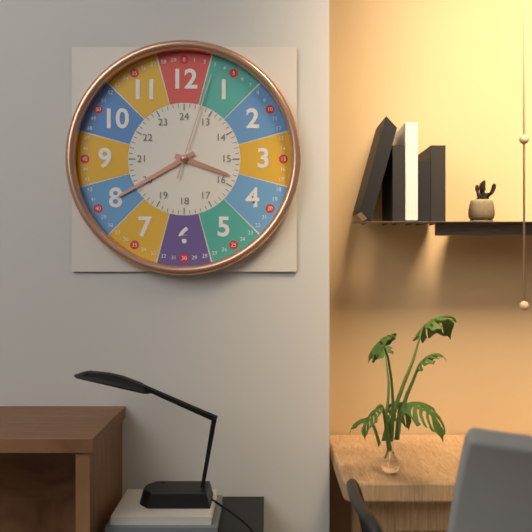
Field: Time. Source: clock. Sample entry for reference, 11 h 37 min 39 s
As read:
3 h 40 min 03 s
